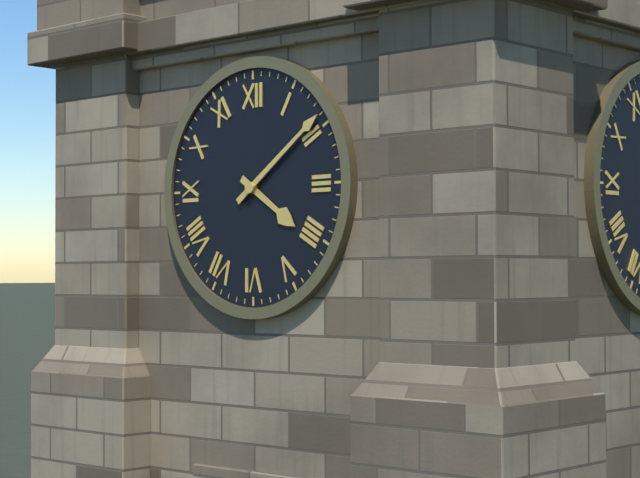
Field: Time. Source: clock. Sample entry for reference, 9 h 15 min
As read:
4 h 09 min
